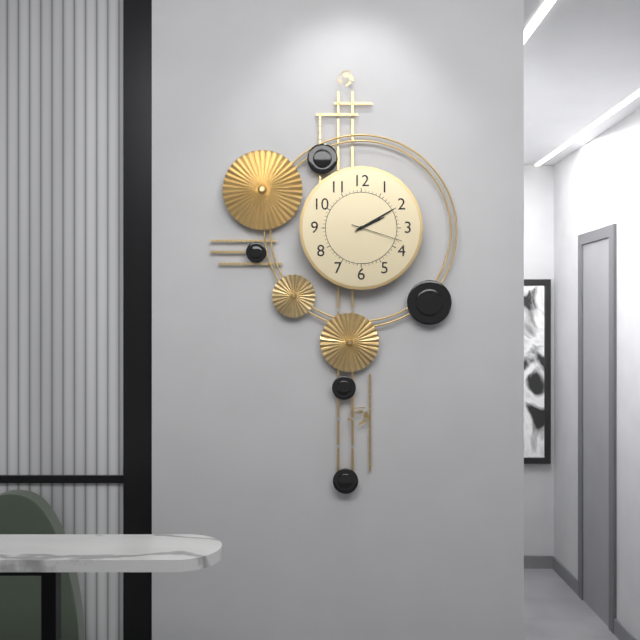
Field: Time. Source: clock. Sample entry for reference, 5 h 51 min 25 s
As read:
2 h 10 min 18 s
